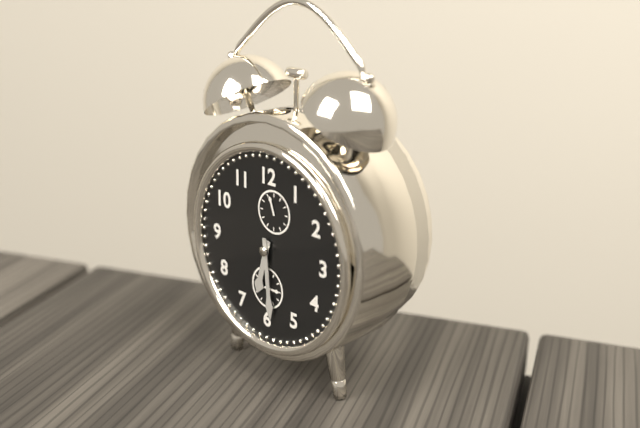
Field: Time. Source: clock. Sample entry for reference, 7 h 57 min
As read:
6 h 29 min
